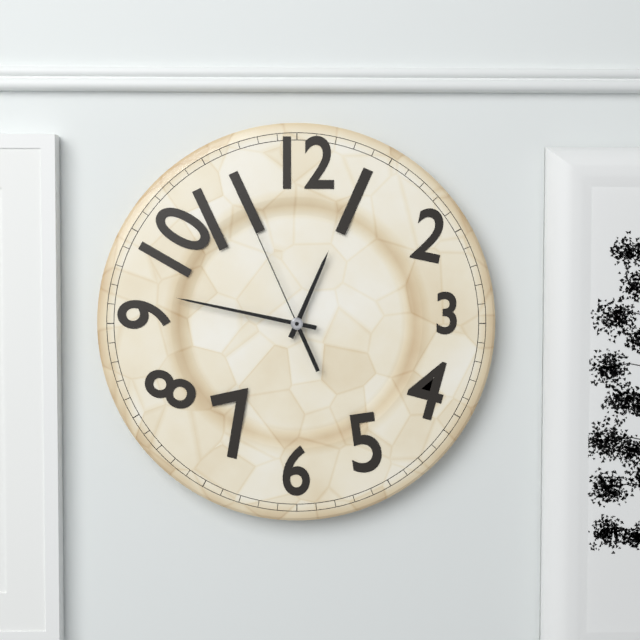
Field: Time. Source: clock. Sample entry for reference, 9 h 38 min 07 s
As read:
12 h 47 min 56 s
